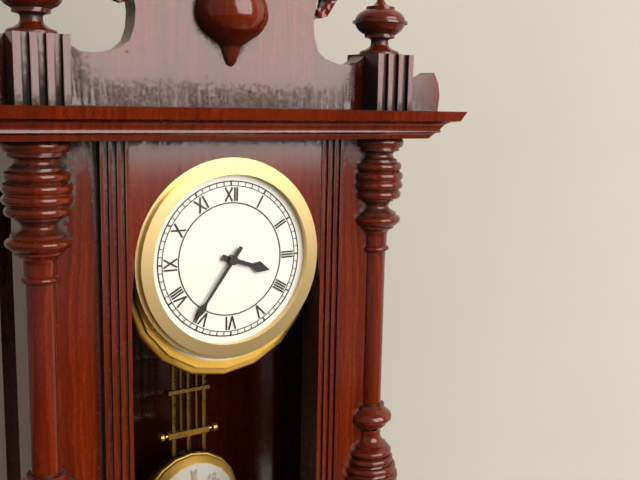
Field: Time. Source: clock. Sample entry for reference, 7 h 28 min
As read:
3 h 36 min
